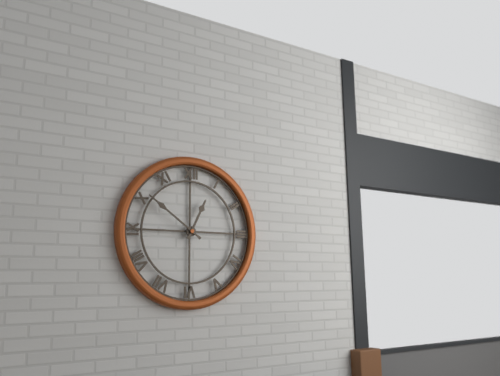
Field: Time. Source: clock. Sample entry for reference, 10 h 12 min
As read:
12 h 51 min
